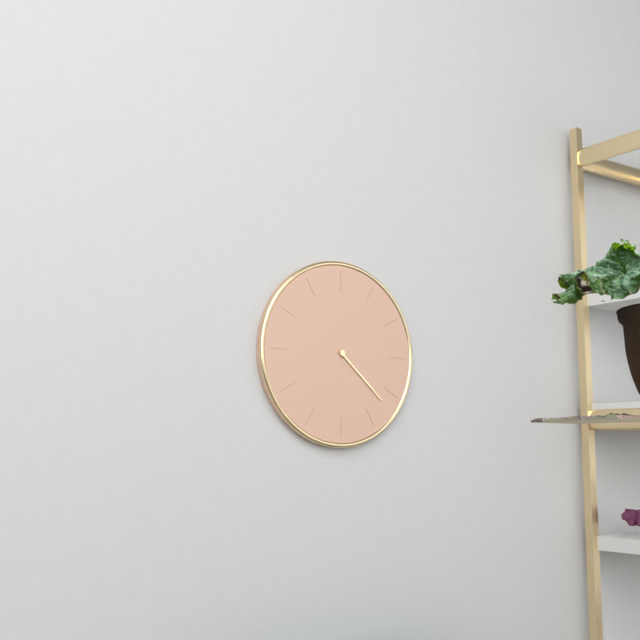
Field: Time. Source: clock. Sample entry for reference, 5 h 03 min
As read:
4 h 22 min
